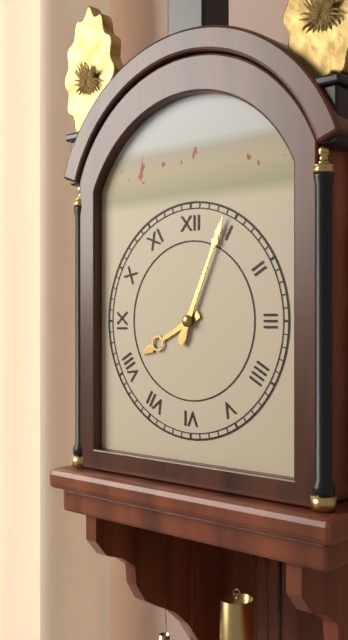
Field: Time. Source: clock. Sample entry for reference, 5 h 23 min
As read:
8 h 04 min
